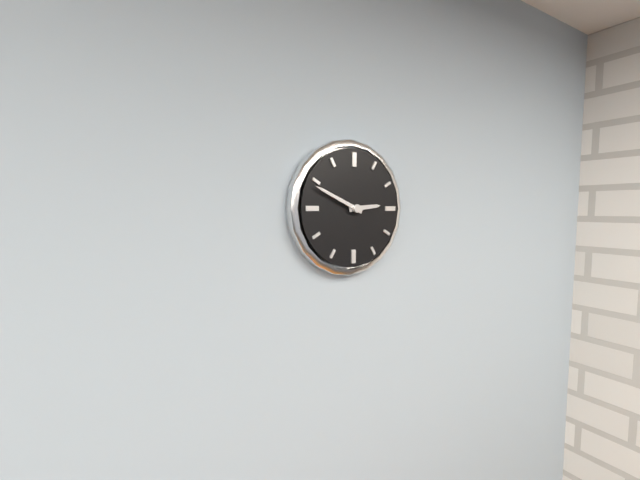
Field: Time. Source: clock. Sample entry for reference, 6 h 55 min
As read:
2 h 49 min
